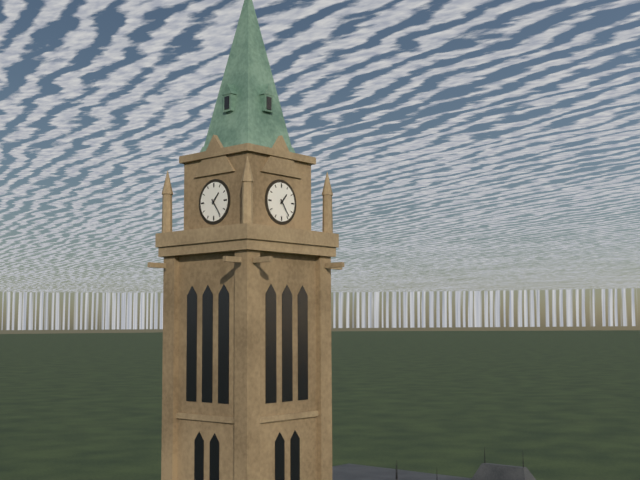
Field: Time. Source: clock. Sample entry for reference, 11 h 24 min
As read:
1 h 24 min
